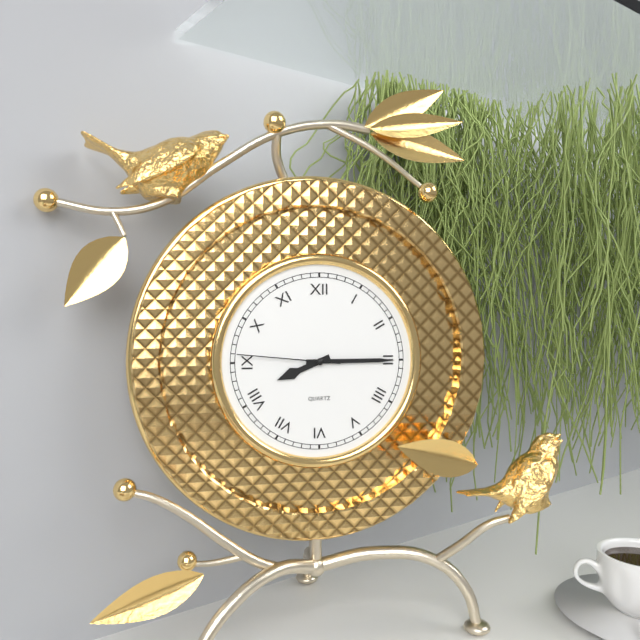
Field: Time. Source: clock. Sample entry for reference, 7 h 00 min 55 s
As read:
8 h 15 min 46 s
